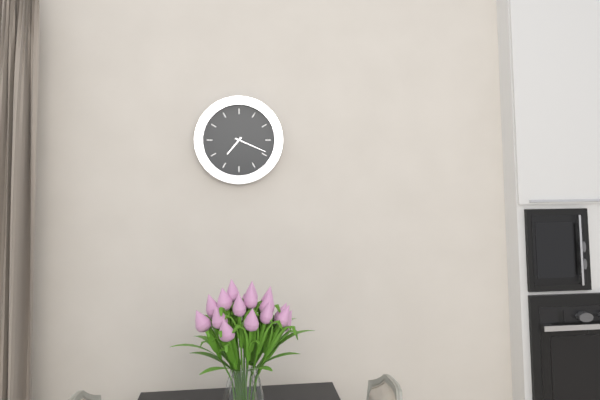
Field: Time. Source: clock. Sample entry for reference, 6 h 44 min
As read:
7 h 19 min
